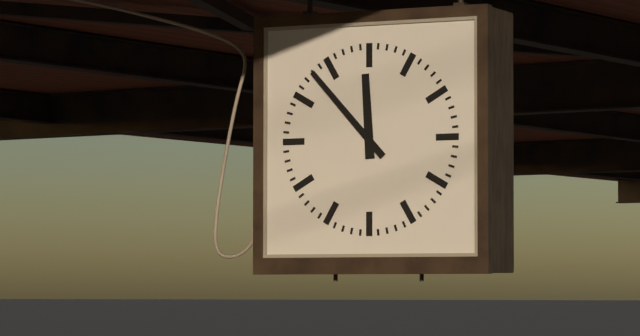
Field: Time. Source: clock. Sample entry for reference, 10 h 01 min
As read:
11 h 53 min
